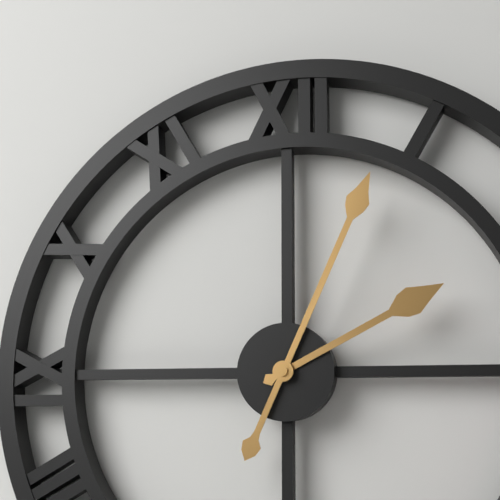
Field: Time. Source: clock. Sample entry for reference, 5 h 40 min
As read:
2 h 04 min
